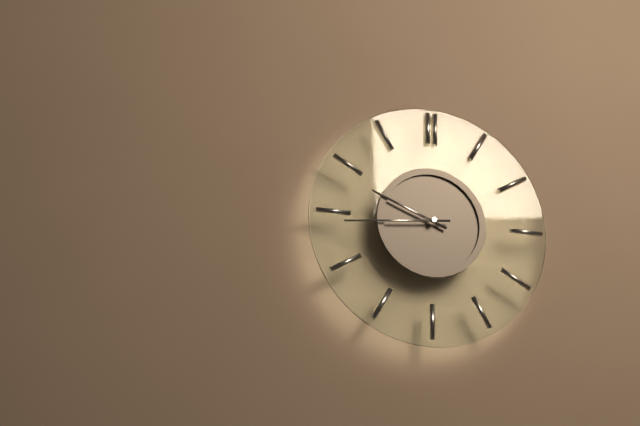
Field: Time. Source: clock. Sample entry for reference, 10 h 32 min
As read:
9 h 44 min
